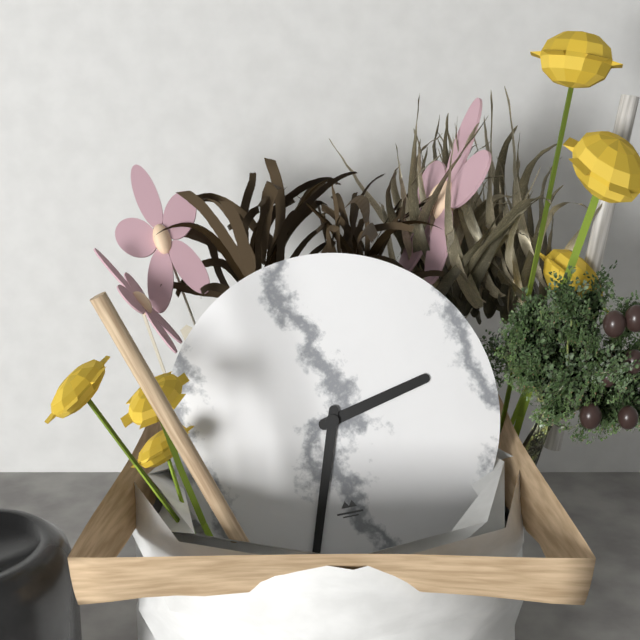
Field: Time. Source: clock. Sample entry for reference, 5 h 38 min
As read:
2 h 33 min
